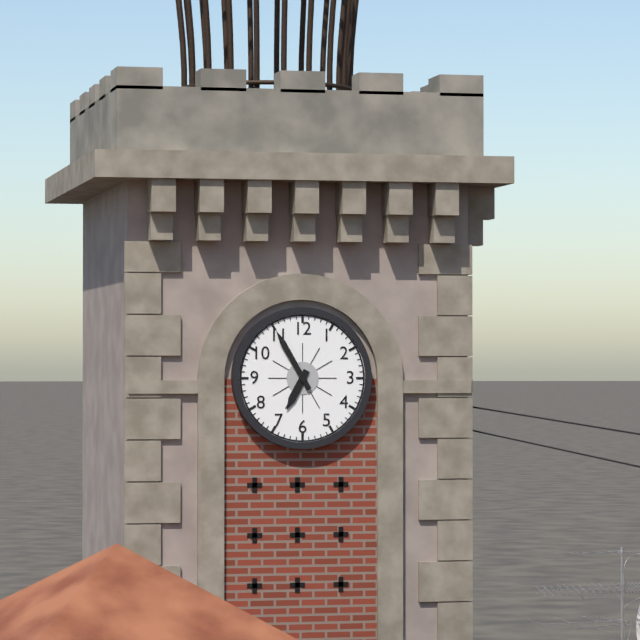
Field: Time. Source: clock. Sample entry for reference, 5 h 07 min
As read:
6 h 55 min
